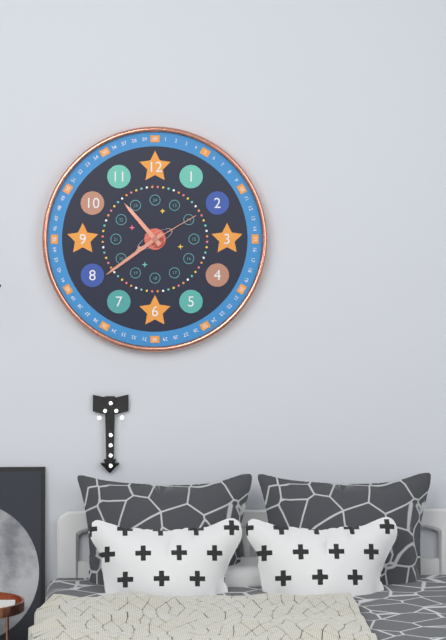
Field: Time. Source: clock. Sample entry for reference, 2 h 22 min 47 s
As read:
10 h 39 min 10 s
